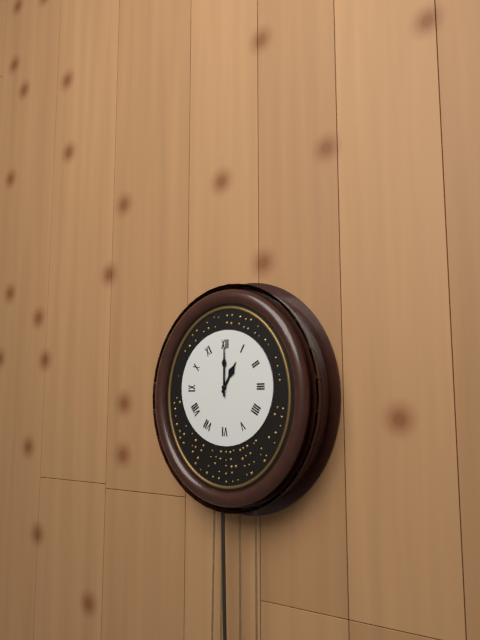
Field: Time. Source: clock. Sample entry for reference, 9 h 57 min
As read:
1 h 00 min
